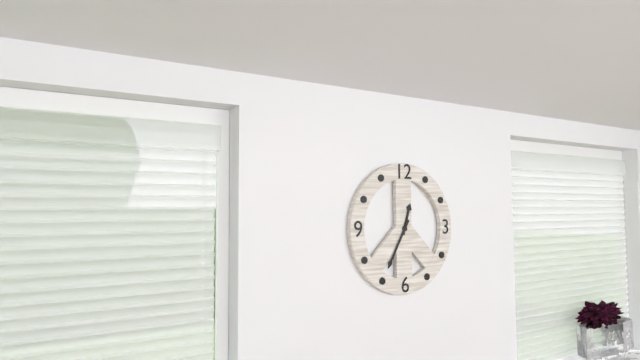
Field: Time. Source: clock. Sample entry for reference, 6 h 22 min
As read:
12 h 35 min
